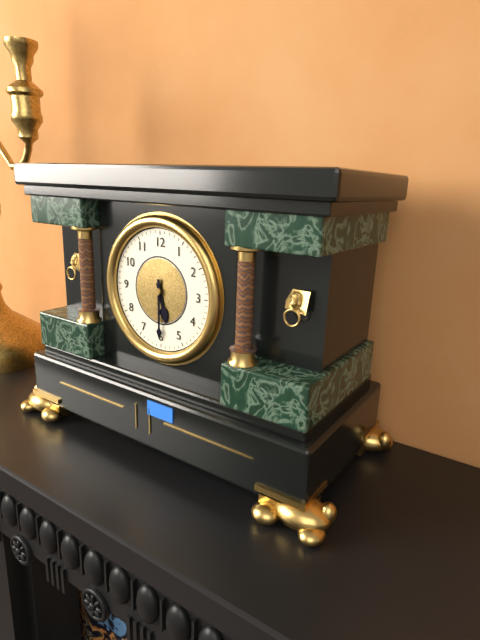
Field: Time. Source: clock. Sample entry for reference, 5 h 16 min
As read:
5 h 30 min
